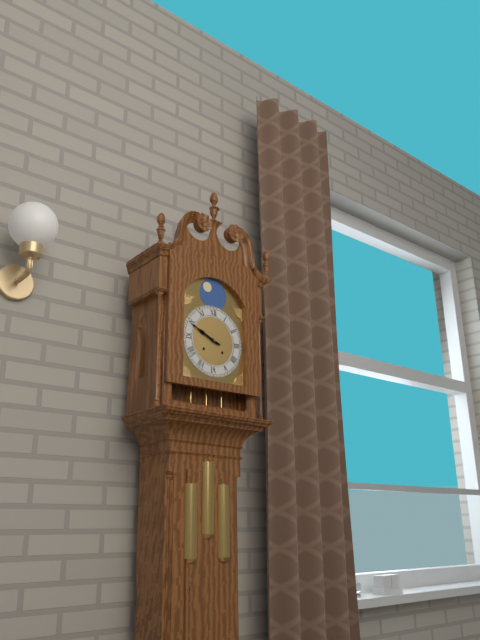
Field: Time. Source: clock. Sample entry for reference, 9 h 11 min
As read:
9 h 49 min
